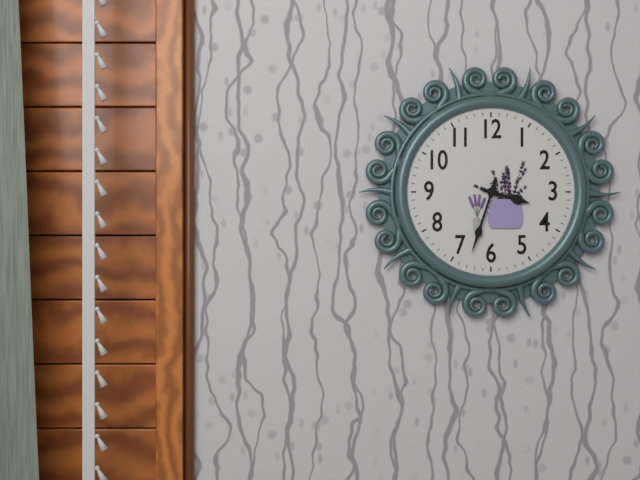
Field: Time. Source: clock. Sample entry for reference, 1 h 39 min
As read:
3 h 33 min
